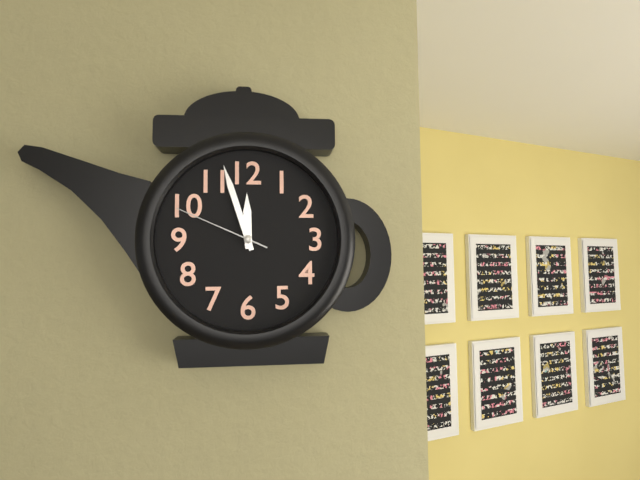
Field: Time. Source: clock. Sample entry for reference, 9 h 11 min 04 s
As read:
11 h 57 min 49 s
